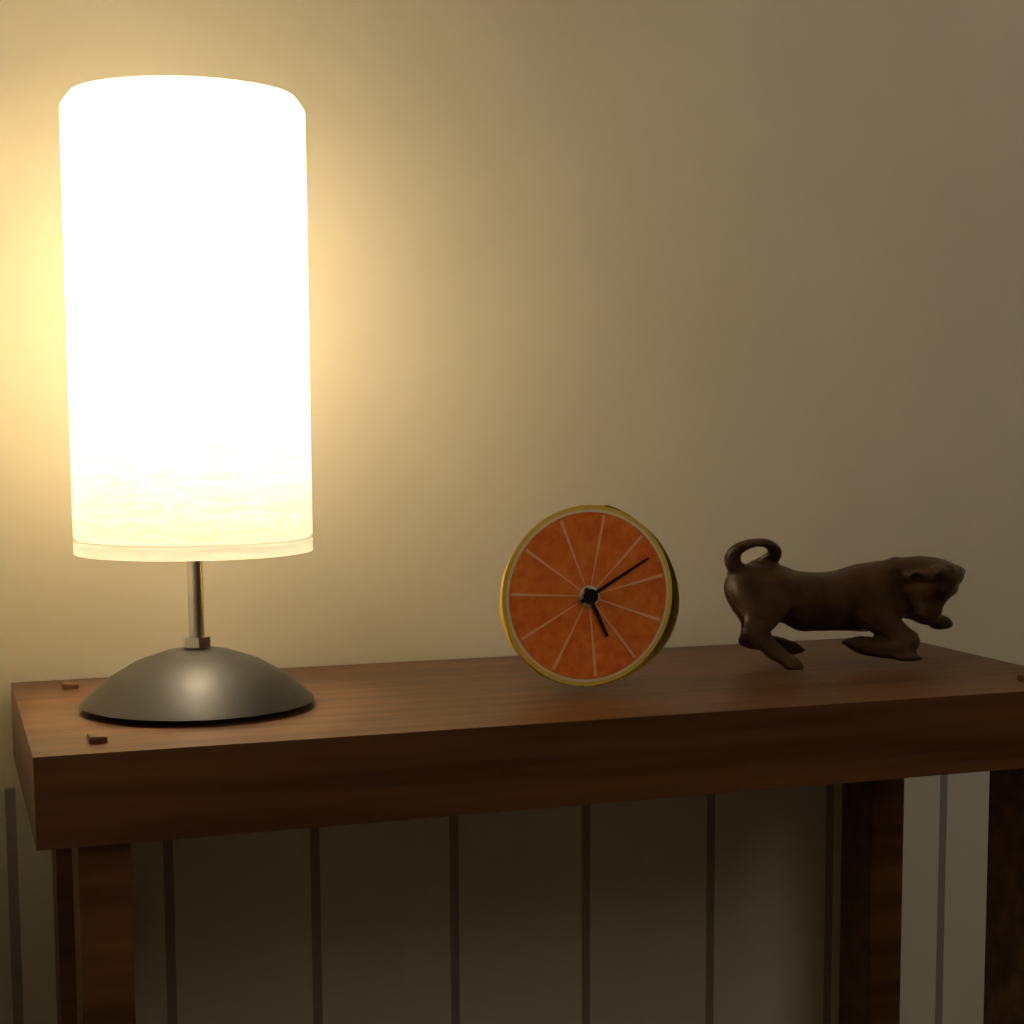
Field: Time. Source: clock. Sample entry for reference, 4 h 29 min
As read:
5 h 10 min
